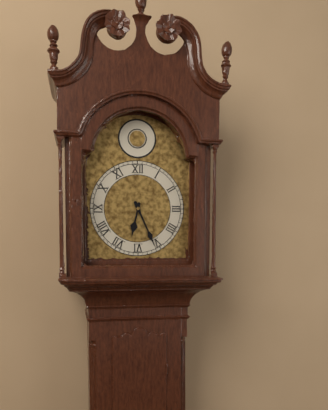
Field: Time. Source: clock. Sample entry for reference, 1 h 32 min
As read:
6 h 26 min
